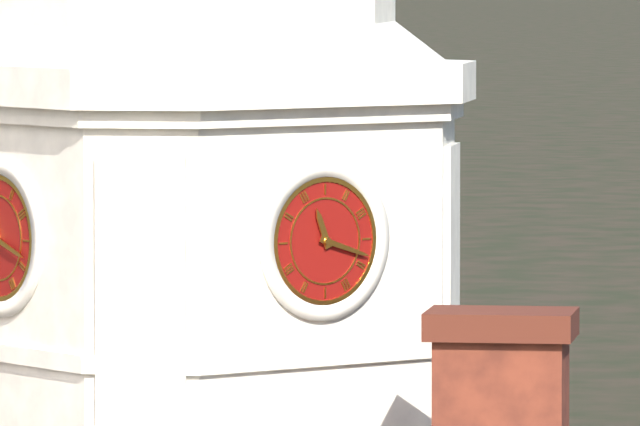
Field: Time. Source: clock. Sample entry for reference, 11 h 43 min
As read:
11 h 18 min
